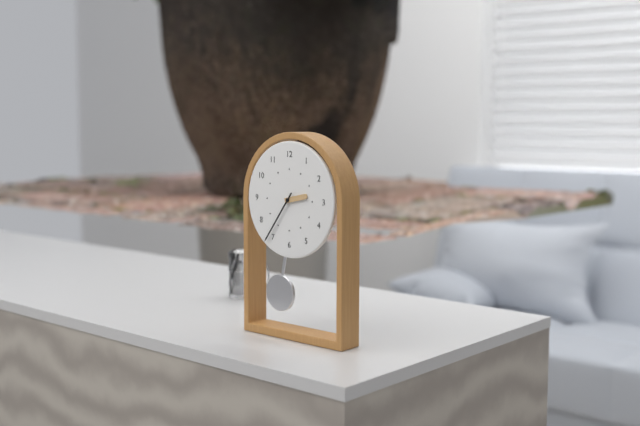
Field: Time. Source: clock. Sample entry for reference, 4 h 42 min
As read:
2 h 36 min
